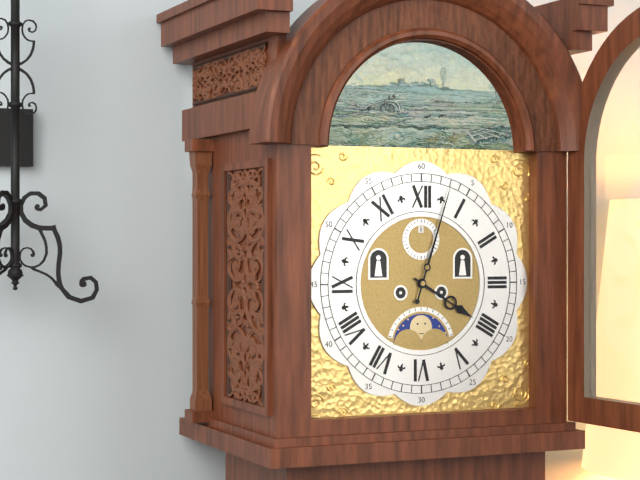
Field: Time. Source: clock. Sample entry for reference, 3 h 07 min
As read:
4 h 03 min
